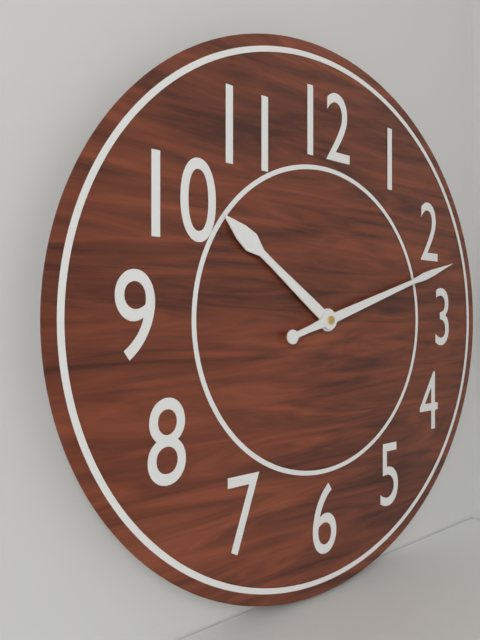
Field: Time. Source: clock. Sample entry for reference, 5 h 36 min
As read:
10 h 12 min
